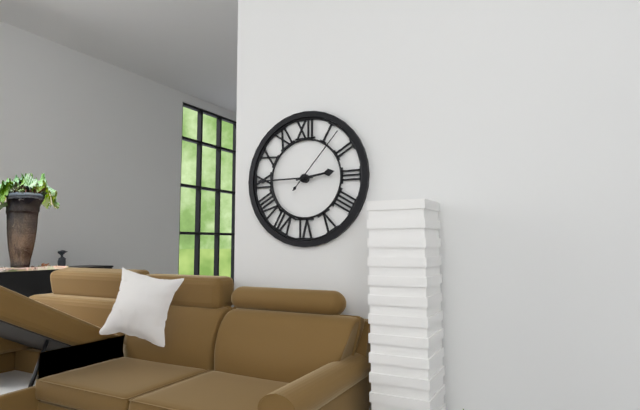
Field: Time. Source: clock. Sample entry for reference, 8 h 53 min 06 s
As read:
2 h 45 min 07 s
